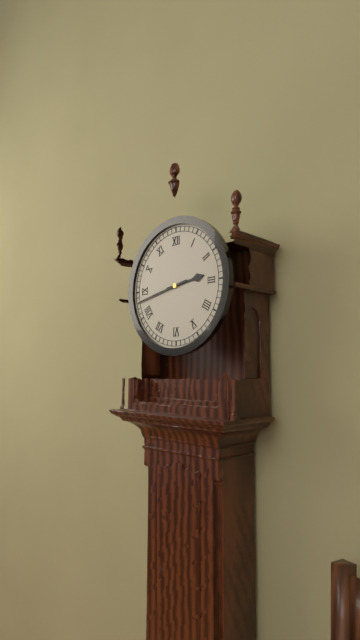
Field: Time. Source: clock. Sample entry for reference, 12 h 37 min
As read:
2 h 43 min
